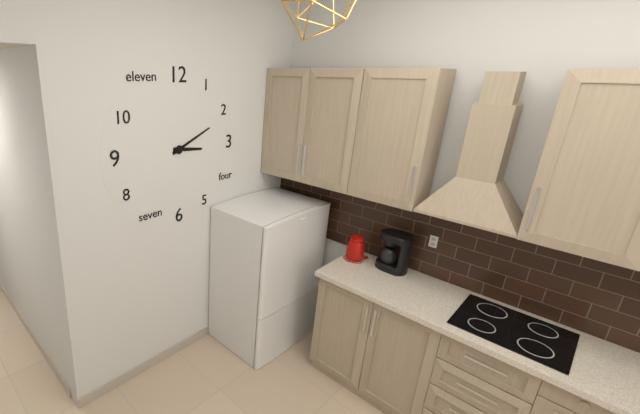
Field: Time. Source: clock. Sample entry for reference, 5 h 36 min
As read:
3 h 11 min
